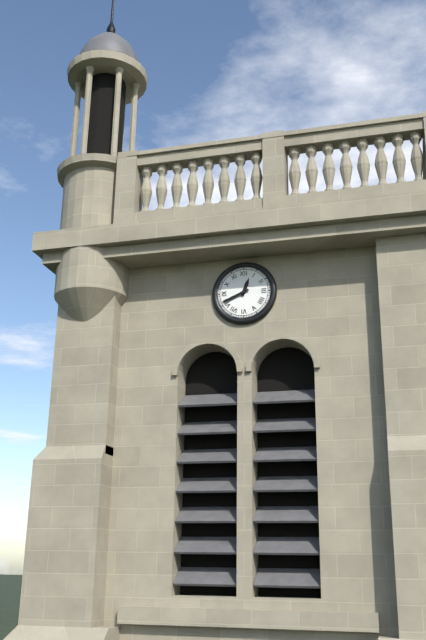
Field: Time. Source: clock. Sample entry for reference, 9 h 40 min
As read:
12 h 41 min
